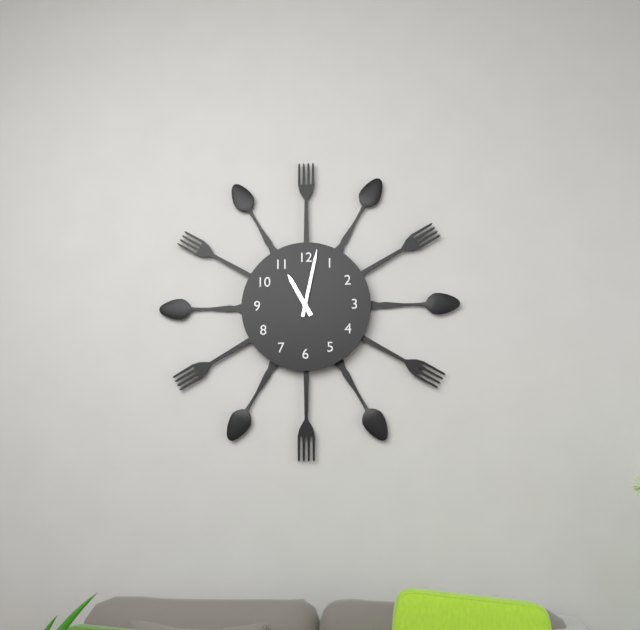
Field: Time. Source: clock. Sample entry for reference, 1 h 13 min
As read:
11 h 02 min
